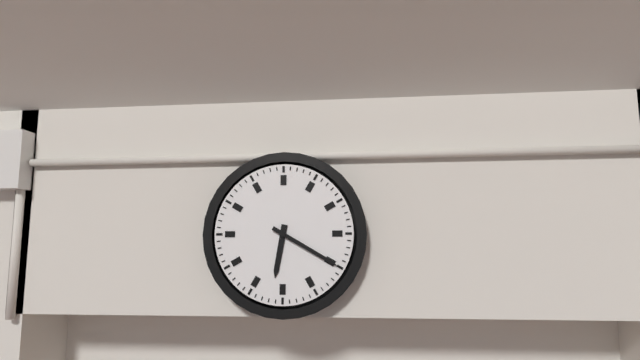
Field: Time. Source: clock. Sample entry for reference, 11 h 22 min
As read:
6 h 20 min
